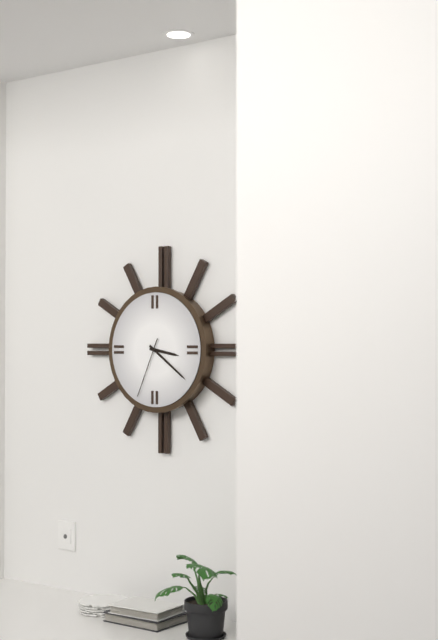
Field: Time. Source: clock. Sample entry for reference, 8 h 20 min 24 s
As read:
3 h 21 min 34 s
